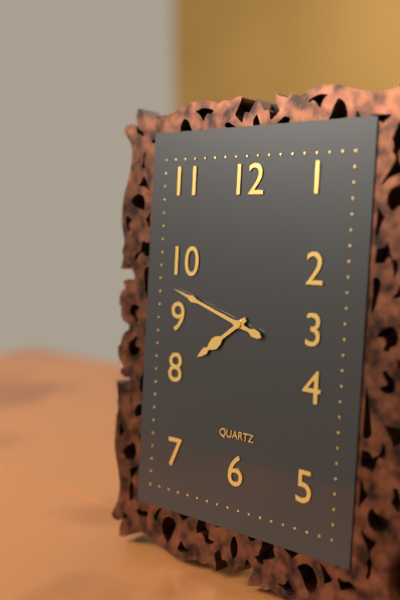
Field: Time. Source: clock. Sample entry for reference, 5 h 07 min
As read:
7 h 48 min
